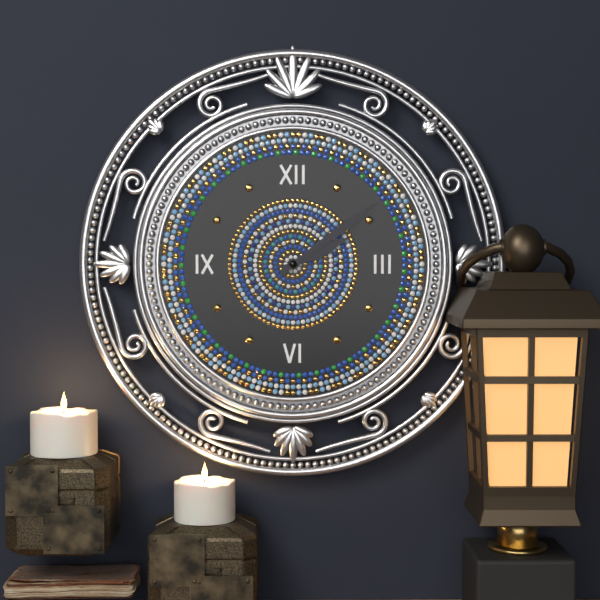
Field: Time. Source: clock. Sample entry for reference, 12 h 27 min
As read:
2 h 09 min
